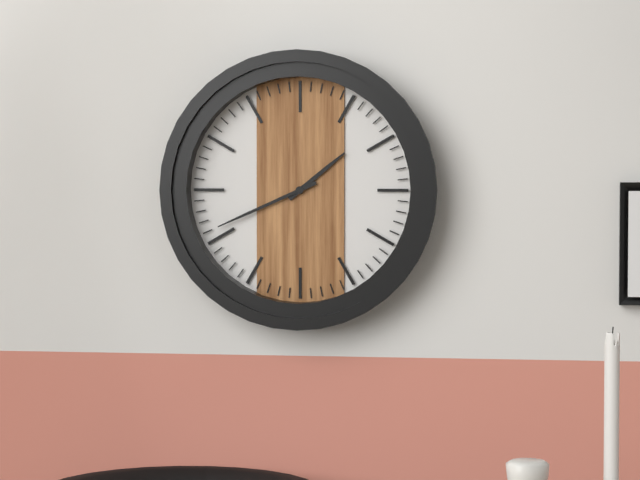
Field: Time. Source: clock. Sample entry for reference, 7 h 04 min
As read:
1 h 41 min
